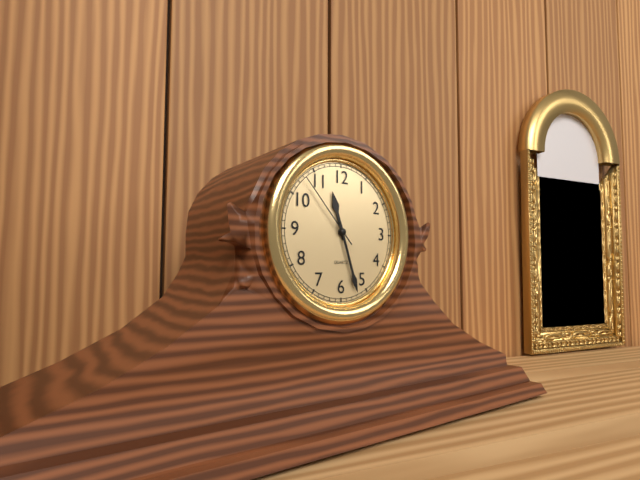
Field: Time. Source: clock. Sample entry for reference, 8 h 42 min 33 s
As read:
11 h 27 min 53 s
